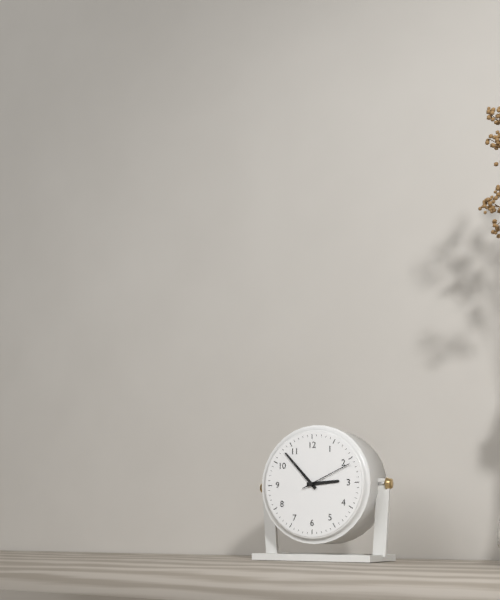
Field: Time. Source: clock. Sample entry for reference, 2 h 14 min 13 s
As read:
2 h 53 min 11 s
